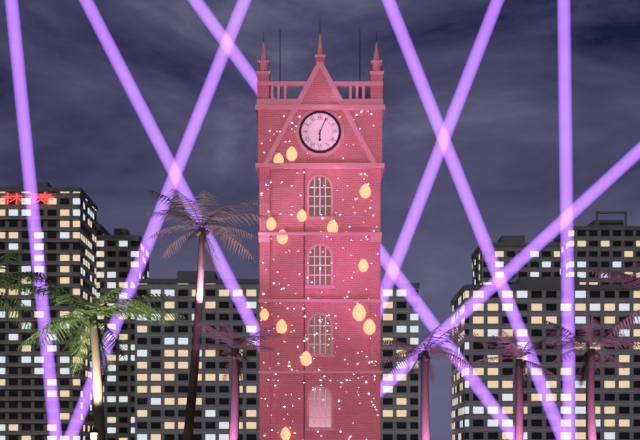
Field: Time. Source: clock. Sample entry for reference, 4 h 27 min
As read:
6 h 04 min
